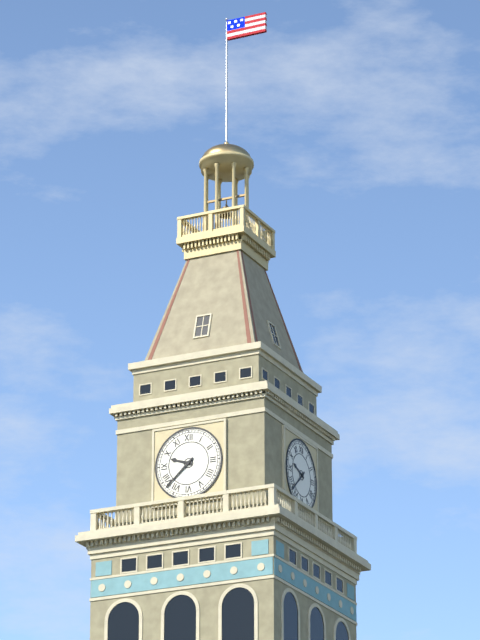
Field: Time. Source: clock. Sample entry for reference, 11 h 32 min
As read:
9 h 38 min
